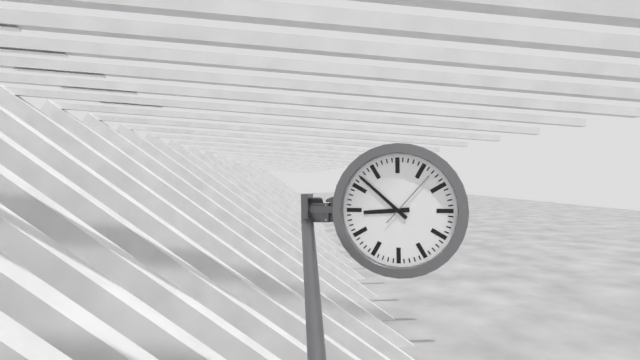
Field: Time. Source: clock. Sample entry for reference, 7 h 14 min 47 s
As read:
8 h 52 min 07 s
